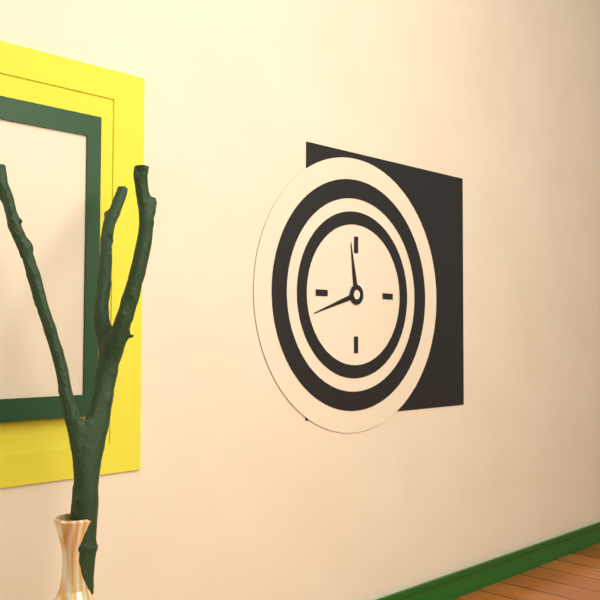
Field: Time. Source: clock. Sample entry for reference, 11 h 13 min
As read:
11 h 42 min
